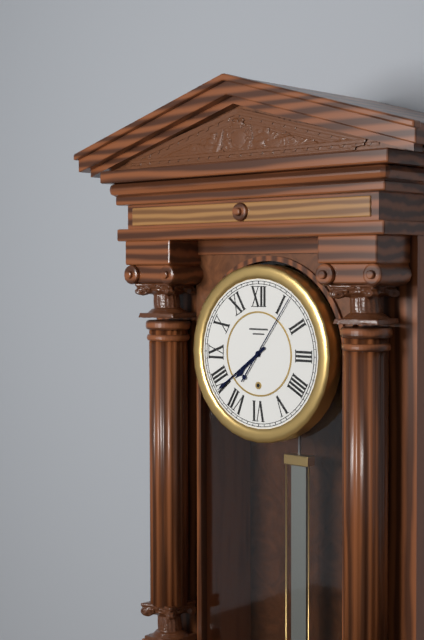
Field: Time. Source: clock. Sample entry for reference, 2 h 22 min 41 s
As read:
7 h 39 min 06 s
